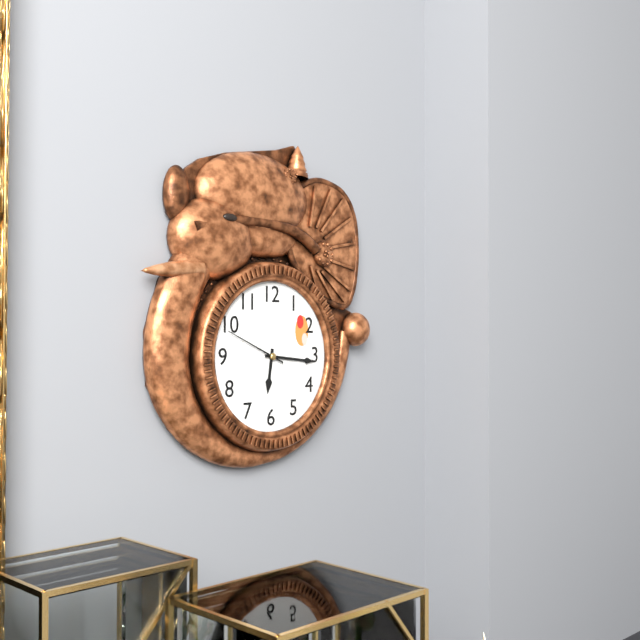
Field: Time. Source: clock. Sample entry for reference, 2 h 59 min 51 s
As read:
6 h 16 min 49 s
